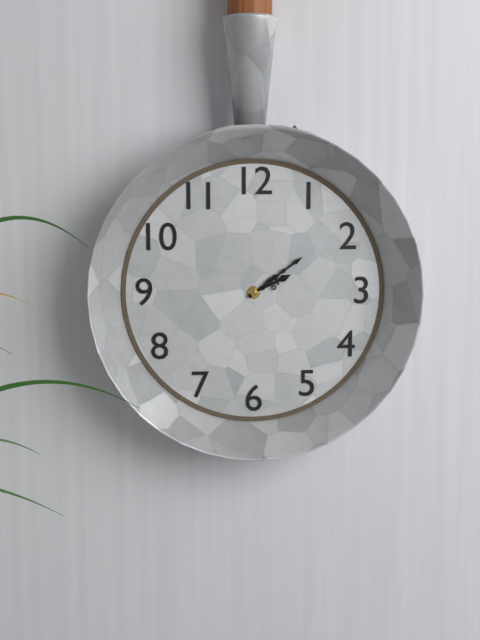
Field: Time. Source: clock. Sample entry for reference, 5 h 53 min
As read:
2 h 09 min
